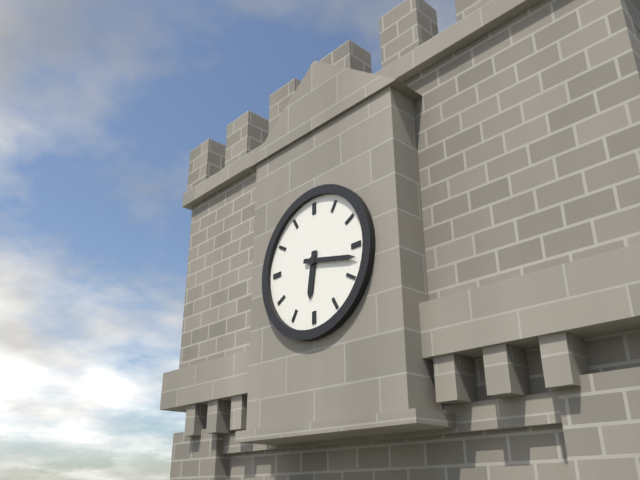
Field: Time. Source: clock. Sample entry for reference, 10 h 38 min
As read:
6 h 17 min
